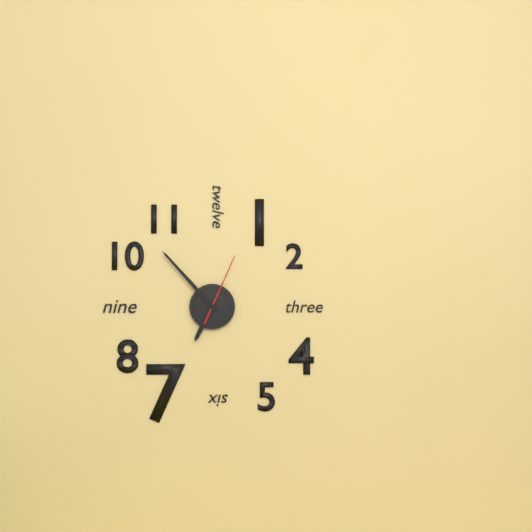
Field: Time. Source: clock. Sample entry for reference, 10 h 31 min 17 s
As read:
6 h 53 min 04 s
